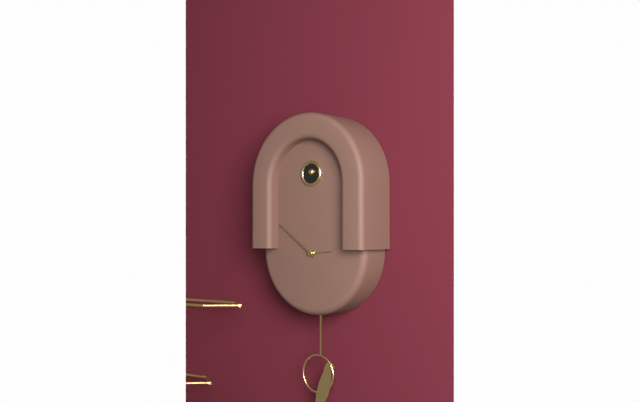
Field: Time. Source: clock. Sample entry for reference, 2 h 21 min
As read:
2 h 51 min
